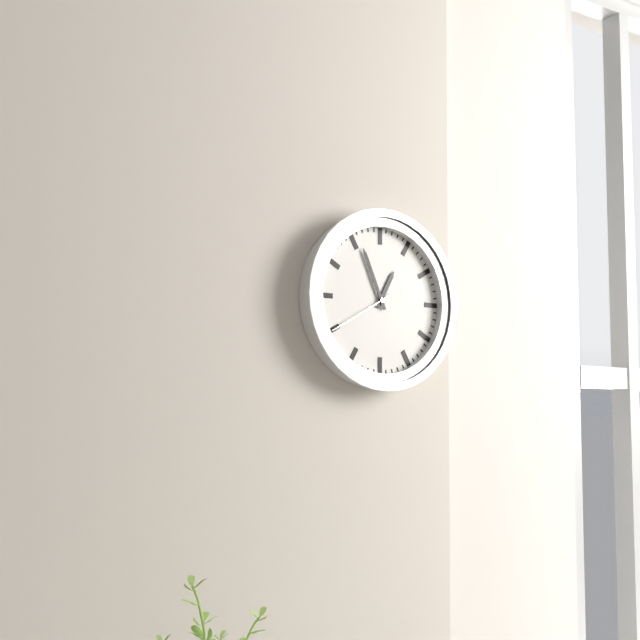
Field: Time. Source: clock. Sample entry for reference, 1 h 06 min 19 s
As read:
12 h 56 min 40 s
